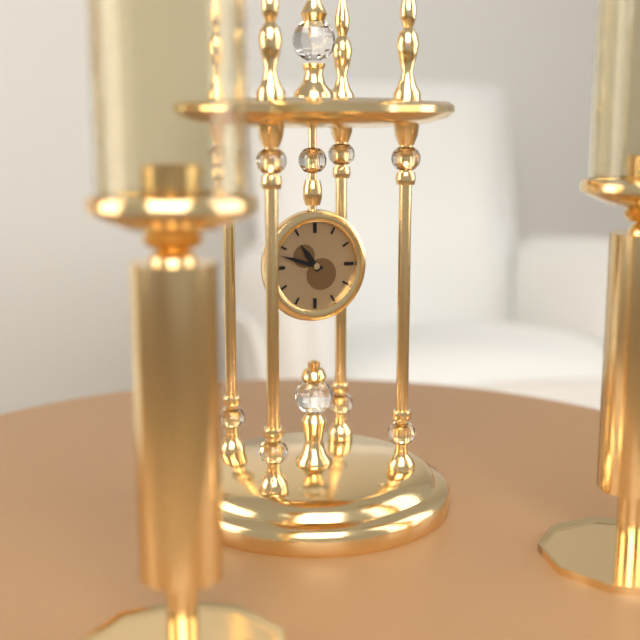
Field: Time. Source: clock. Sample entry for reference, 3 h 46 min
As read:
10 h 48 min
